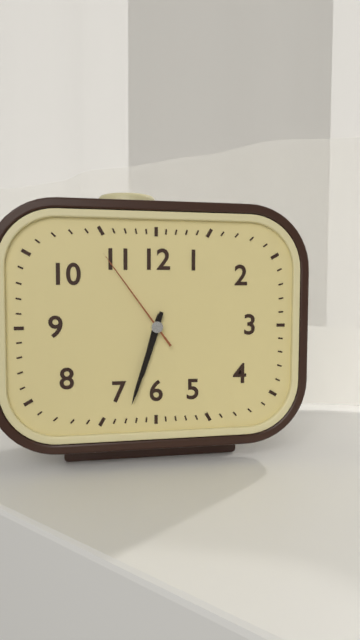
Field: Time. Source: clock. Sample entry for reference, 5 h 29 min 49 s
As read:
6 h 33 min 54 s
